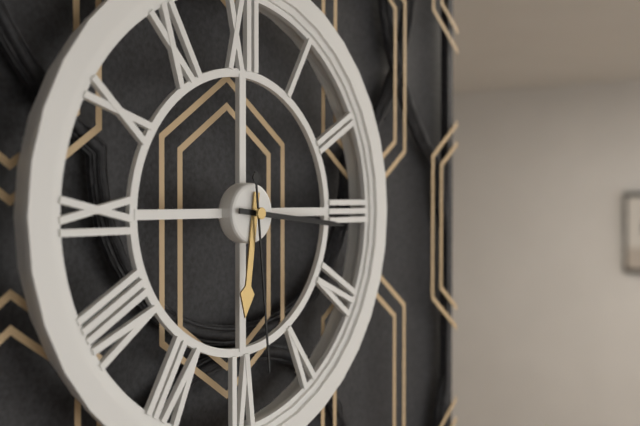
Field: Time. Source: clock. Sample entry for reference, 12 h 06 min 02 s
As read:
6 h 16 min 29 s
